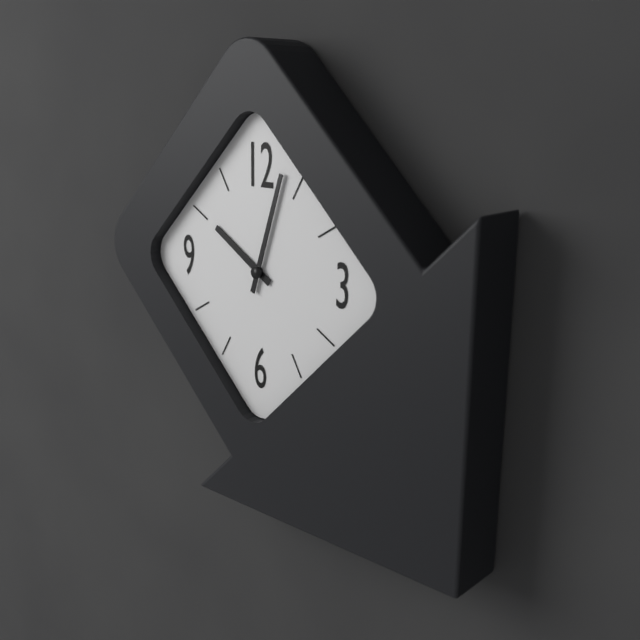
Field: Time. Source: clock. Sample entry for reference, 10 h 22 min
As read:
10 h 03 min
